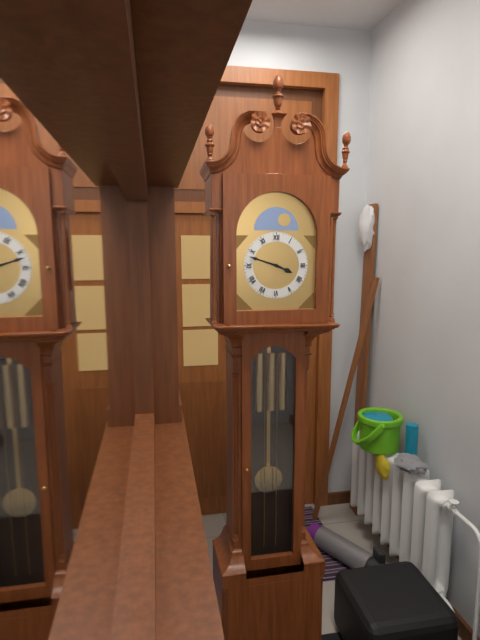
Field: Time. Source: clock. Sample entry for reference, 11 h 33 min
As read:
3 h 48 min
